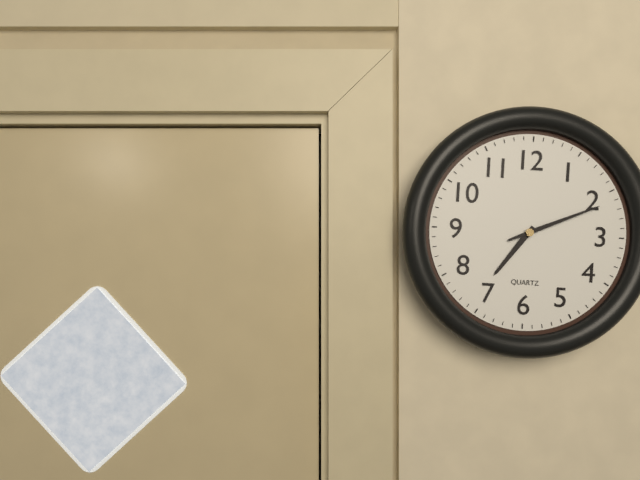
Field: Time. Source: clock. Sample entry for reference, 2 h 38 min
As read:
7 h 11 min
